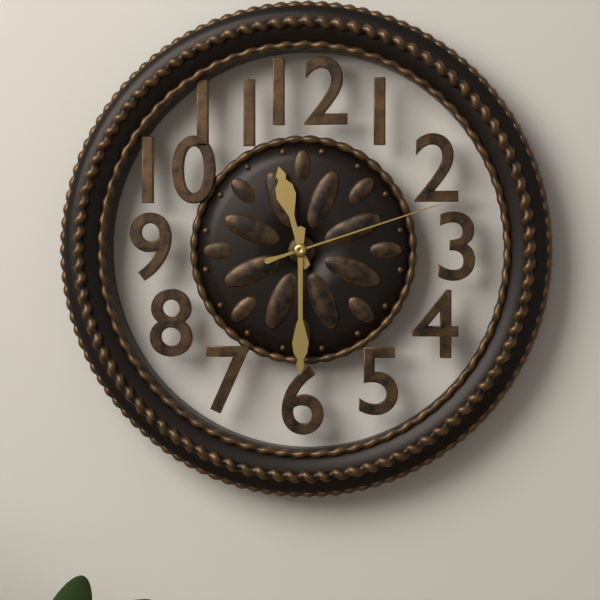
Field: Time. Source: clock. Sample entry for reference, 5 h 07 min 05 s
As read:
11 h 30 min 12 s
